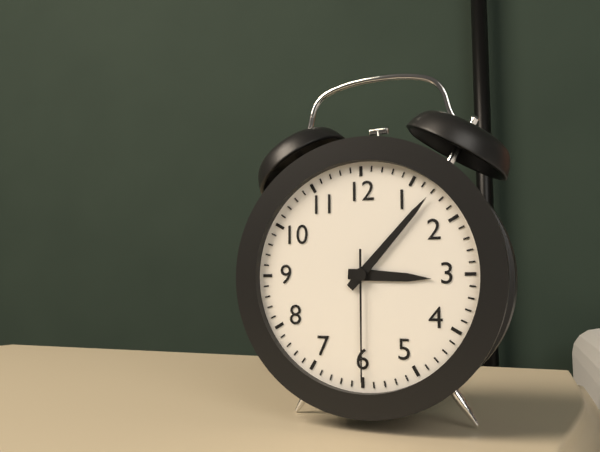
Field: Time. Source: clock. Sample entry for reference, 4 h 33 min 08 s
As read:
3 h 07 min 30 s
